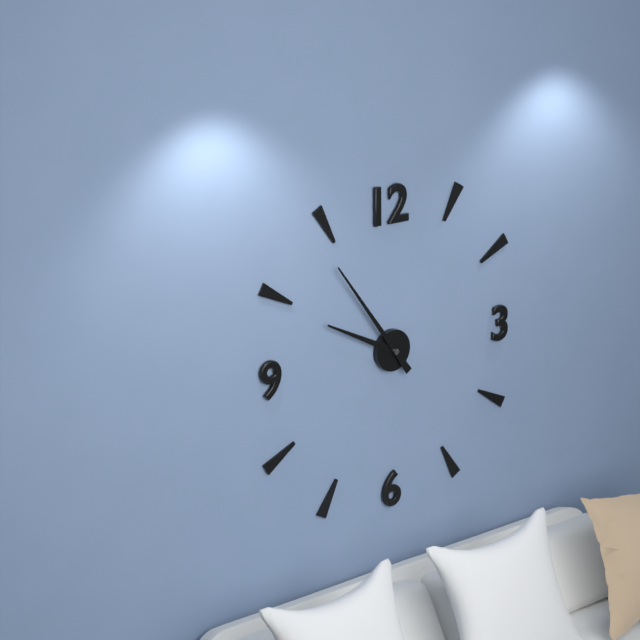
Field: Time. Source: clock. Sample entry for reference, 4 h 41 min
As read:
9 h 54 min
